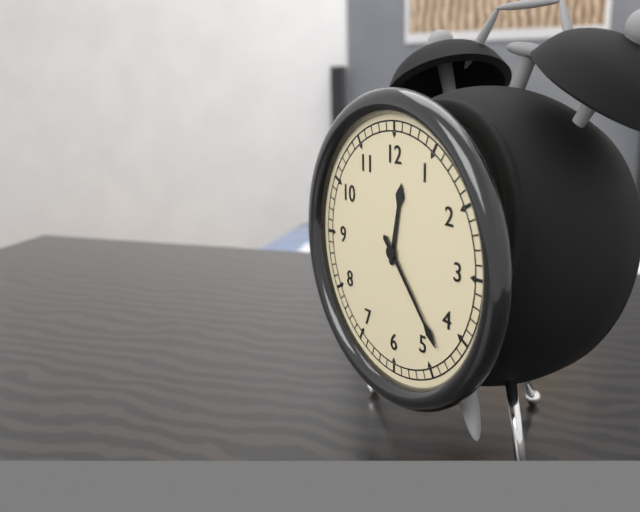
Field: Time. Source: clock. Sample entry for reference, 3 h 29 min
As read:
12 h 23 min
